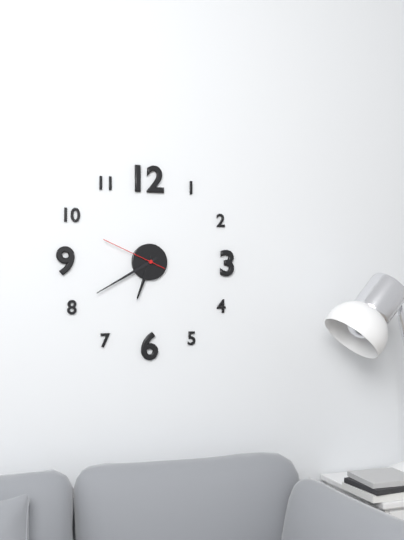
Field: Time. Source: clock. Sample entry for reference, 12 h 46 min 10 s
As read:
6 h 40 min 49 s
